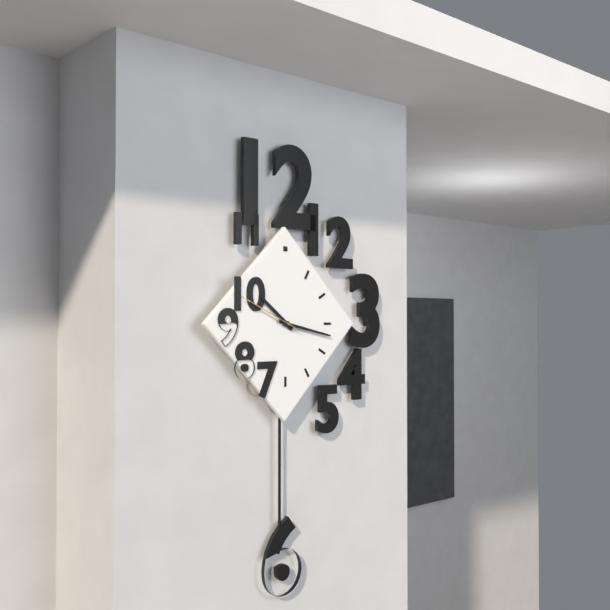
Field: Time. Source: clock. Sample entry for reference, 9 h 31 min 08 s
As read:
10 h 17 min 49 s
